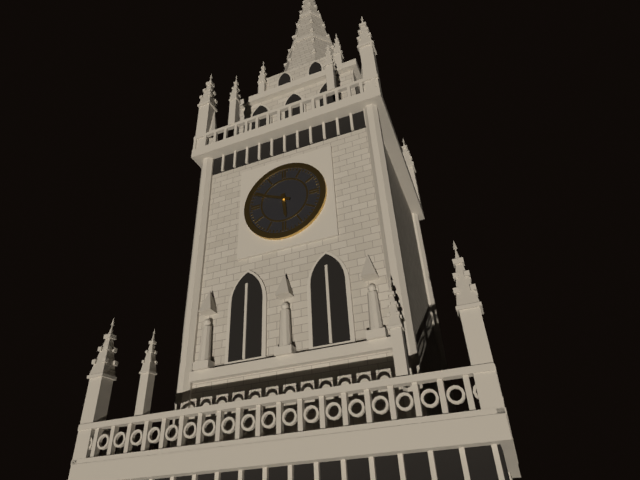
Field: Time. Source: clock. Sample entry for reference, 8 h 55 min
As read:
5 h 49 min
